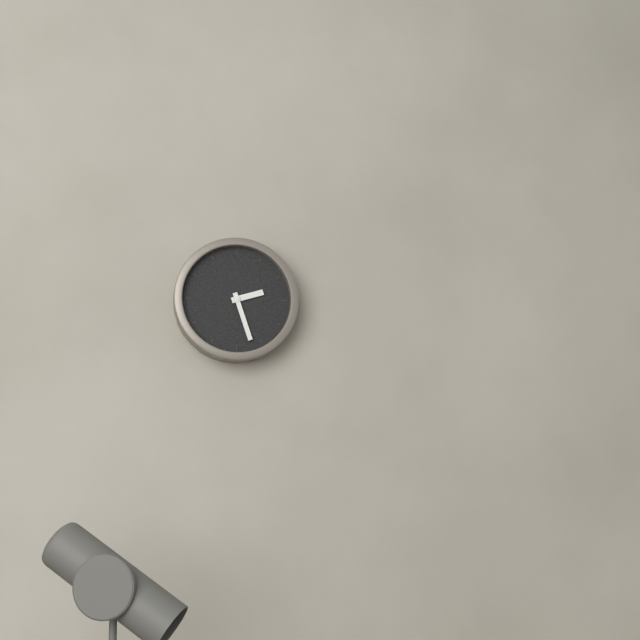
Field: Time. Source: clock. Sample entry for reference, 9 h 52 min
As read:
2 h 27 min
